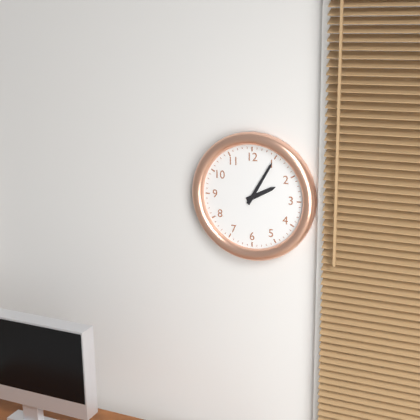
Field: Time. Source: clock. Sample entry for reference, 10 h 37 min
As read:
2 h 05 min
